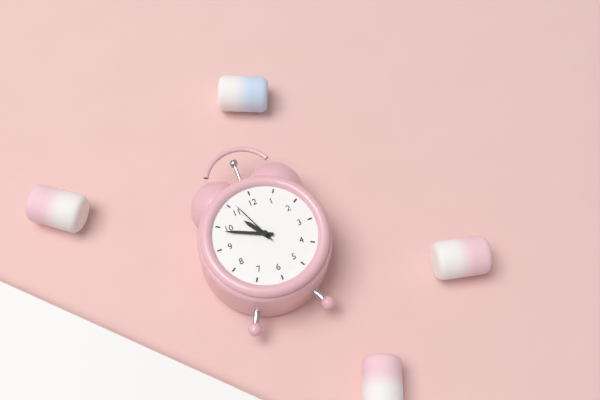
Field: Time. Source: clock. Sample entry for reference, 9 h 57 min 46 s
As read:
10 h 49 min 56 s
